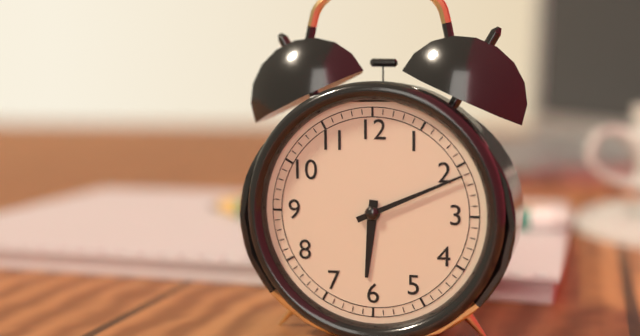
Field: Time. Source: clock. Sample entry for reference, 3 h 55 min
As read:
6 h 11 min
